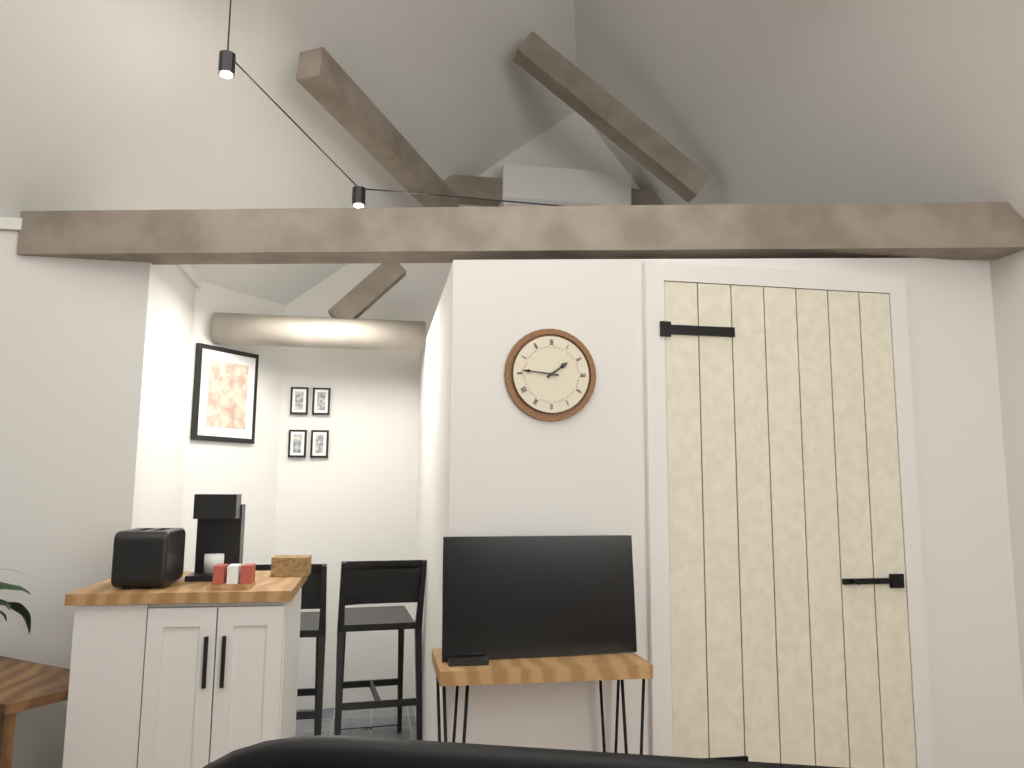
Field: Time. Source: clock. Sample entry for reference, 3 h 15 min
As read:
1 h 46 min
